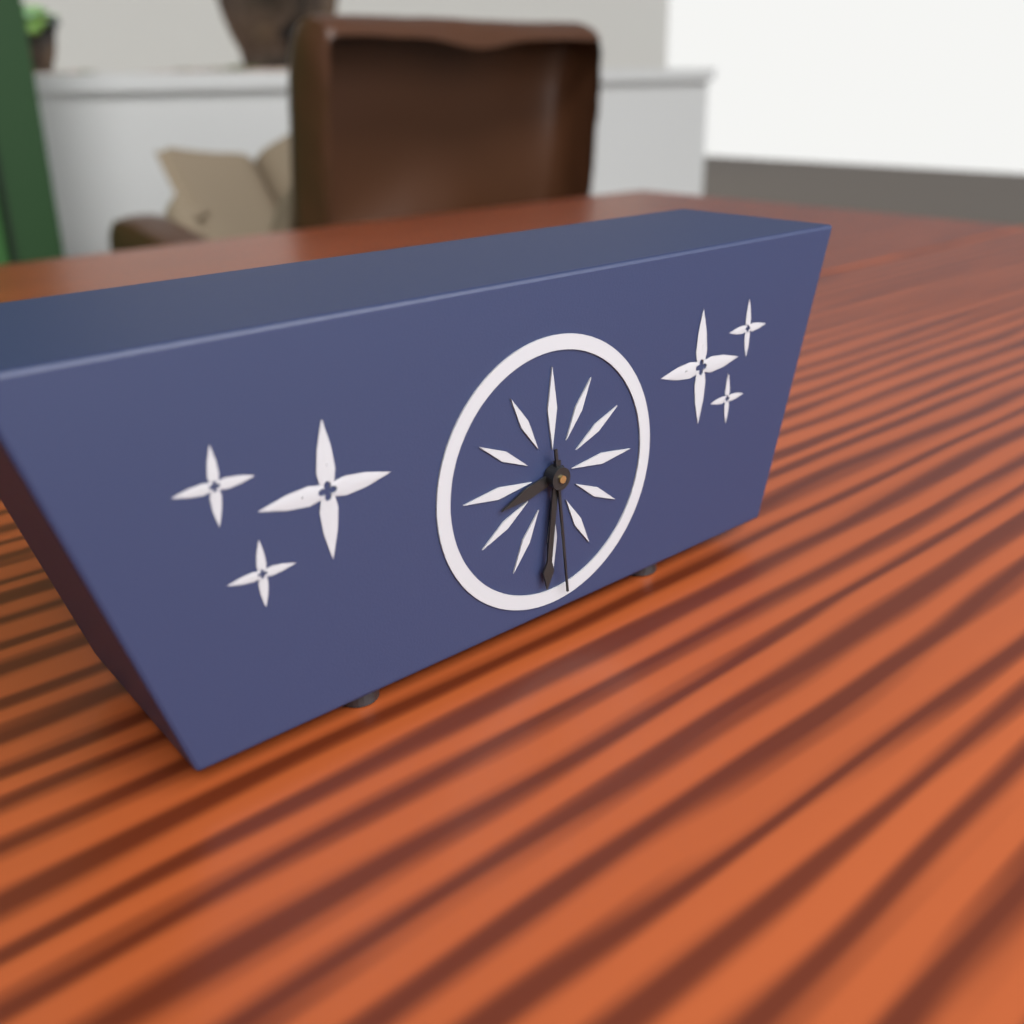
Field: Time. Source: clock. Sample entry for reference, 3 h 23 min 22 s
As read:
8 h 31 min 29 s
